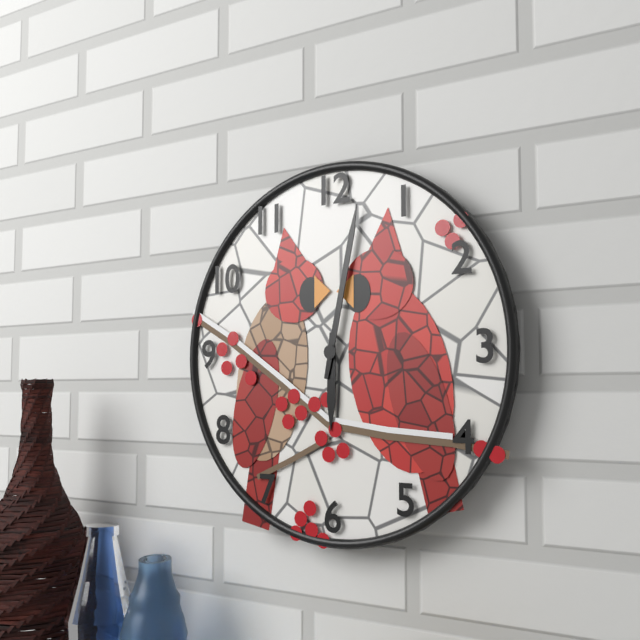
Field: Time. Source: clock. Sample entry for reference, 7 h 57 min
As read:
6 h 02 min
